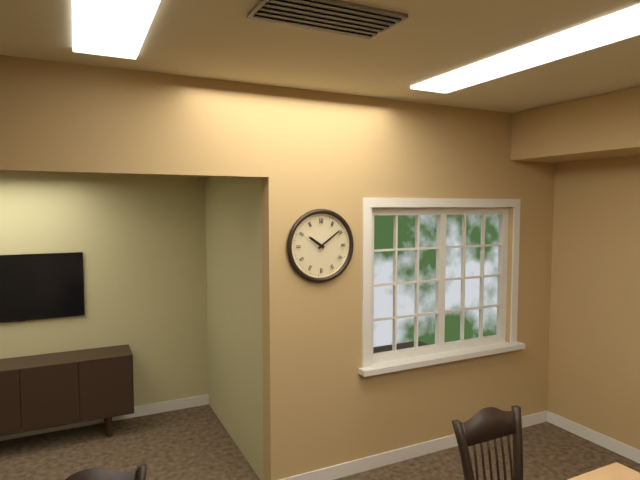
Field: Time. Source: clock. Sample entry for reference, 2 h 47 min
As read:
10 h 09 min
